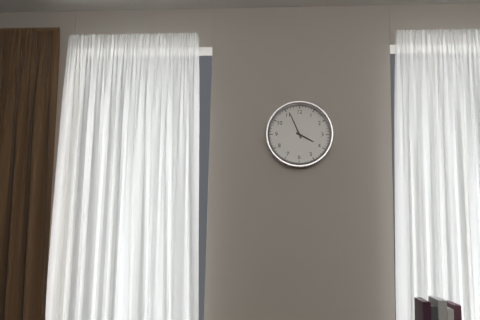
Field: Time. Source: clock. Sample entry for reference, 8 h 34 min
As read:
3 h 56 min
